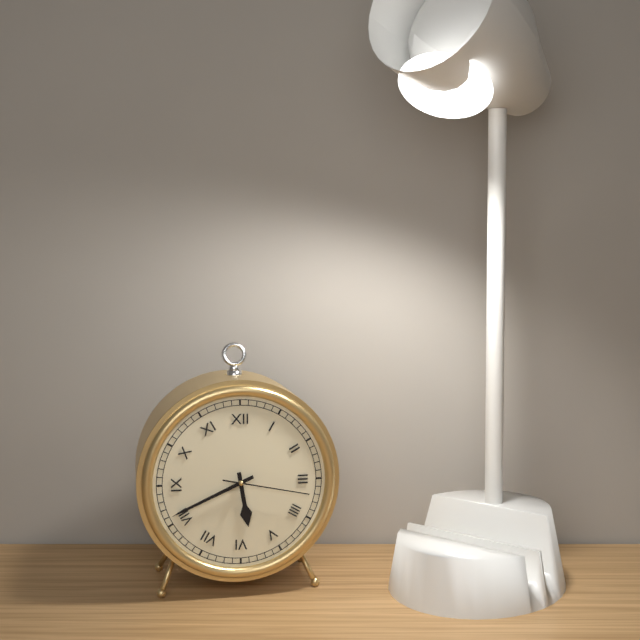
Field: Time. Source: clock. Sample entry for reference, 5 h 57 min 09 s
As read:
5 h 41 min 17 s
